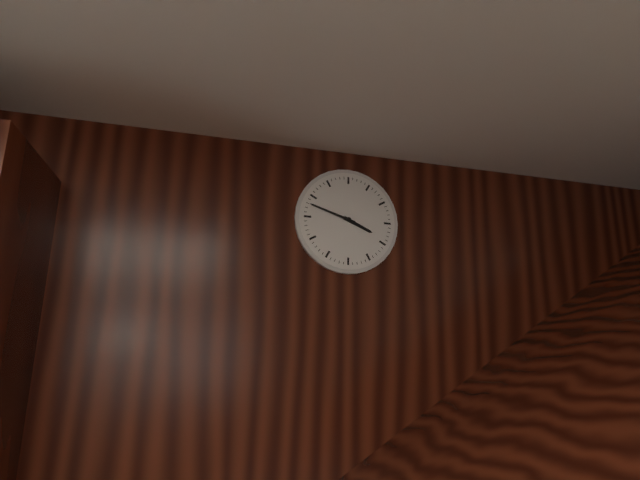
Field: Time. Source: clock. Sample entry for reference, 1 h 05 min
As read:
3 h 48 min
